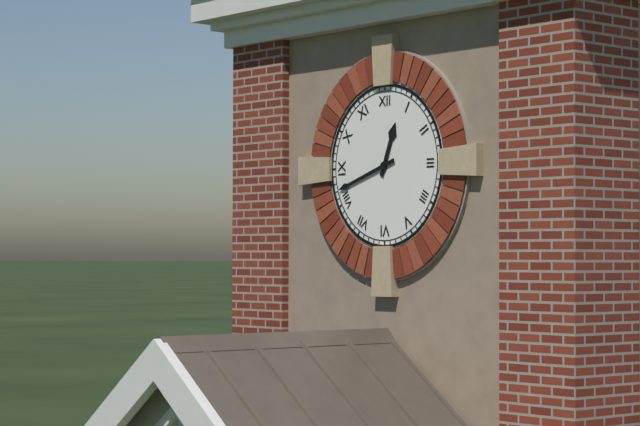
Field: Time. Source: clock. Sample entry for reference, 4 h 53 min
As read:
12 h 42 min
